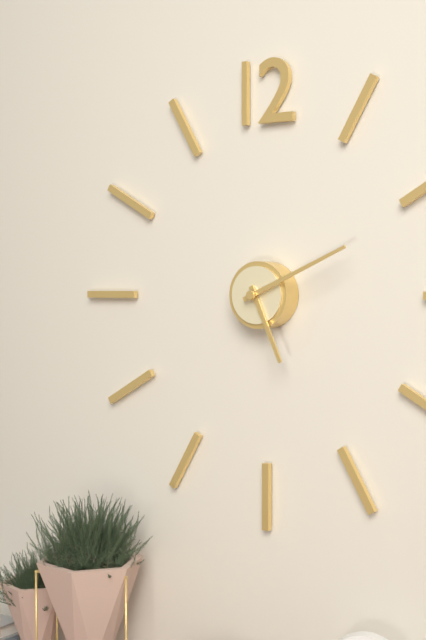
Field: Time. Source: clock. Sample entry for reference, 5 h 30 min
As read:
5 h 11 min
